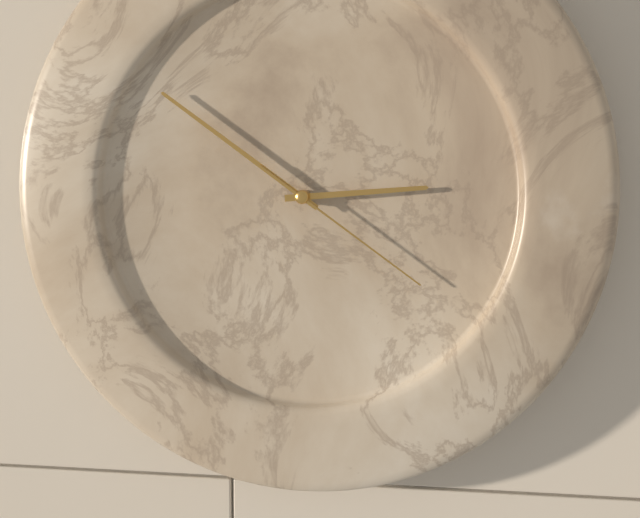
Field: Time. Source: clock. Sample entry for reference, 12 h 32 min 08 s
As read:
2 h 51 min 21 s
